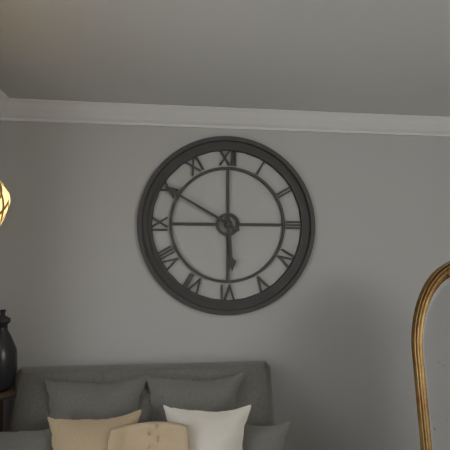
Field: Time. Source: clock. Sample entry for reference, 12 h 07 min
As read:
5 h 50 min
